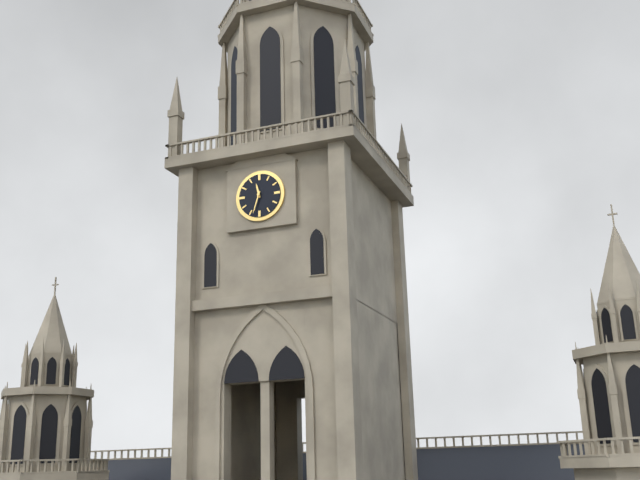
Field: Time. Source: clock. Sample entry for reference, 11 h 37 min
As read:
11 h 33 min
